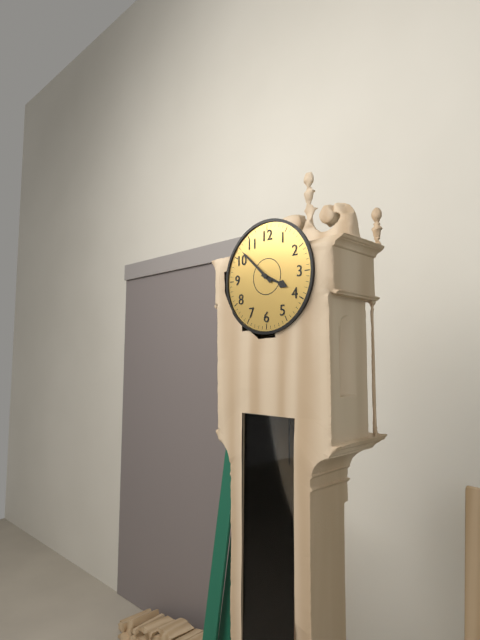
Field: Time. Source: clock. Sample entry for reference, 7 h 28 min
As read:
3 h 52 min
